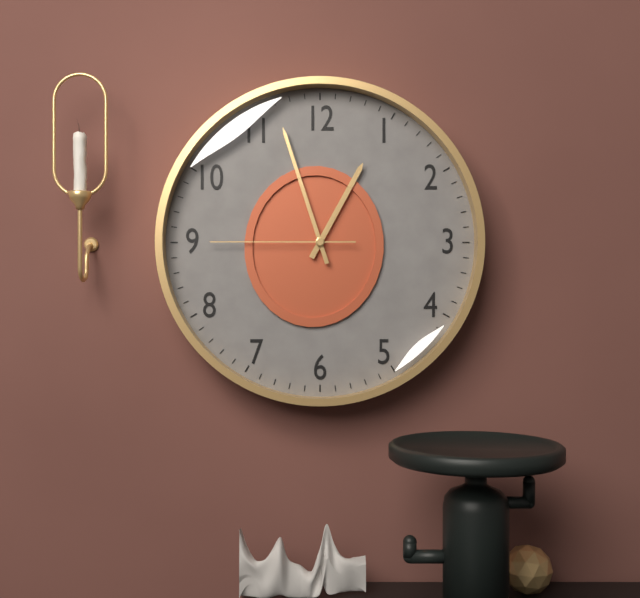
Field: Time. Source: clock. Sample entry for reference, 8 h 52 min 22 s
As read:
12 h 57 min 45 s
